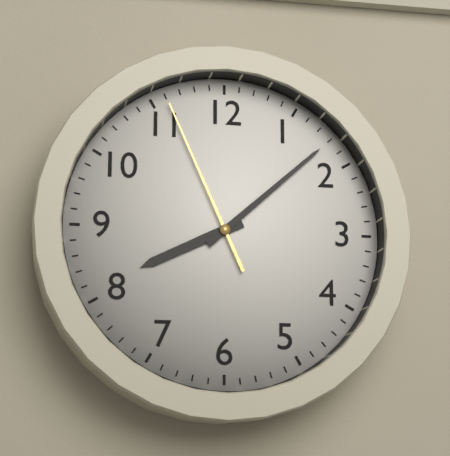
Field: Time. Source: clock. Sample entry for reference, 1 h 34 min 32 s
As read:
8 h 08 min 56 s
